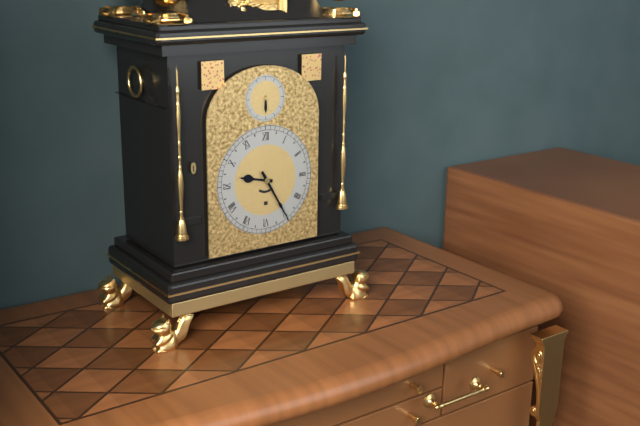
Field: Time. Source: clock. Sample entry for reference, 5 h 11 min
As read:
9 h 25 min
